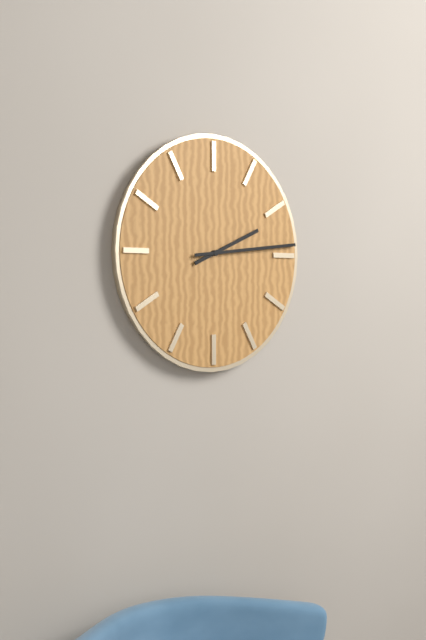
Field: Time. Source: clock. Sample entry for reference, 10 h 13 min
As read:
2 h 14 min
